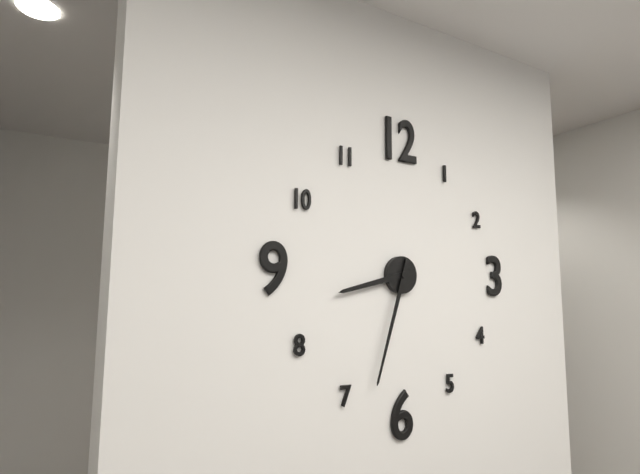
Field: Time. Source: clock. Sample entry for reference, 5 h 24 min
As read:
8 h 33 min
